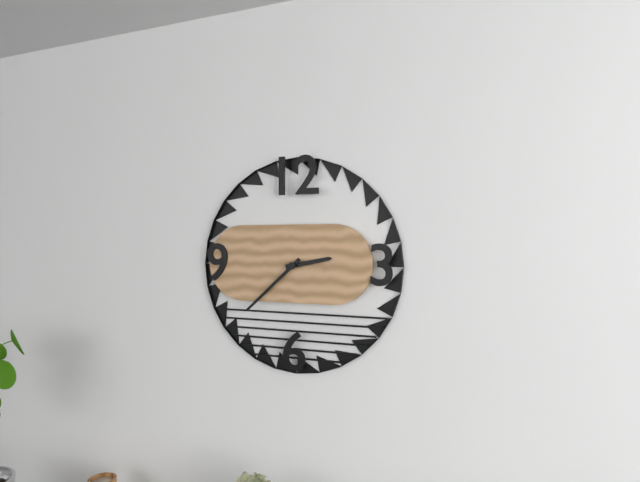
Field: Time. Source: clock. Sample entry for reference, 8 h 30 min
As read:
2 h 38 min
